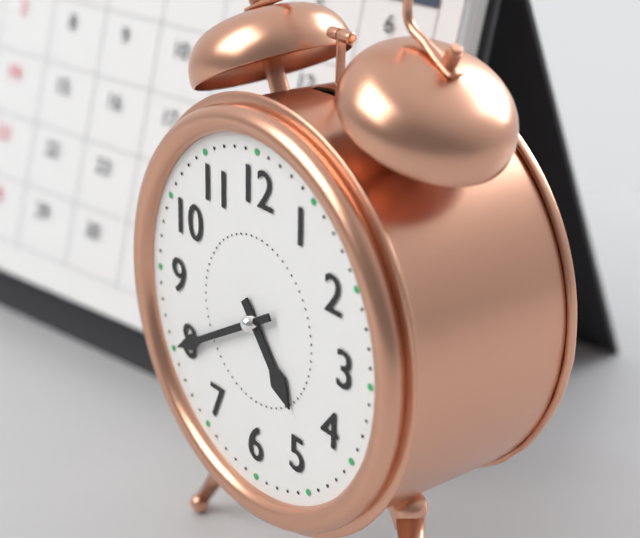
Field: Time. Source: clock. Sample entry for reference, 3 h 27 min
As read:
4 h 40 min
